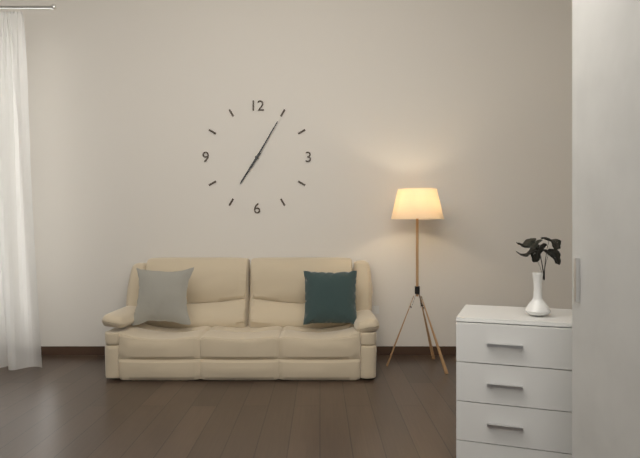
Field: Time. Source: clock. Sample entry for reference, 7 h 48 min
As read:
7 h 05 min
